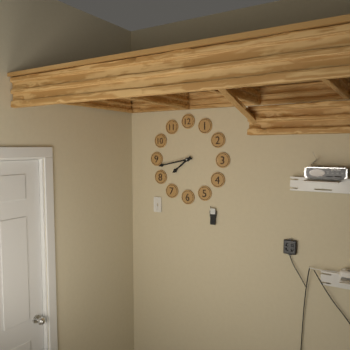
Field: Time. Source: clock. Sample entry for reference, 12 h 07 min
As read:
7 h 43 min
